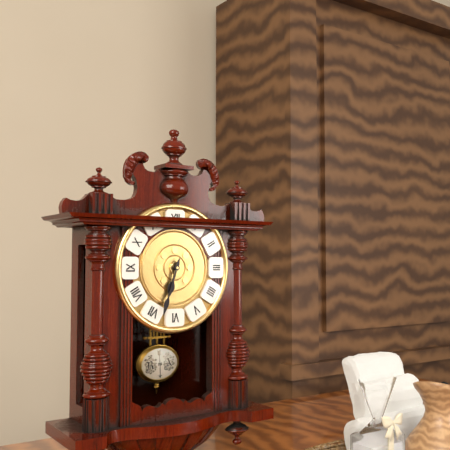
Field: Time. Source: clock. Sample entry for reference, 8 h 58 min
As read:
6 h 33 min
